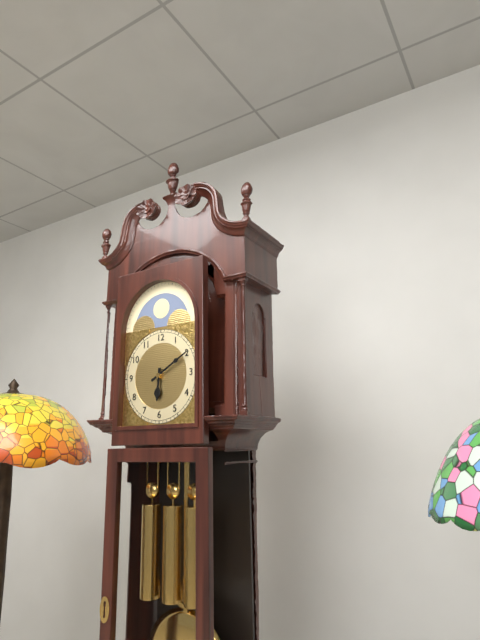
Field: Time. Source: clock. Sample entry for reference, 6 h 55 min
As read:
6 h 10 min
